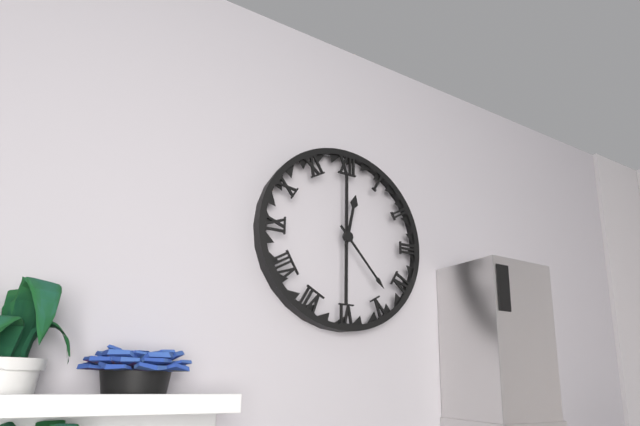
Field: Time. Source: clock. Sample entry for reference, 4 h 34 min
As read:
12 h 23 min
